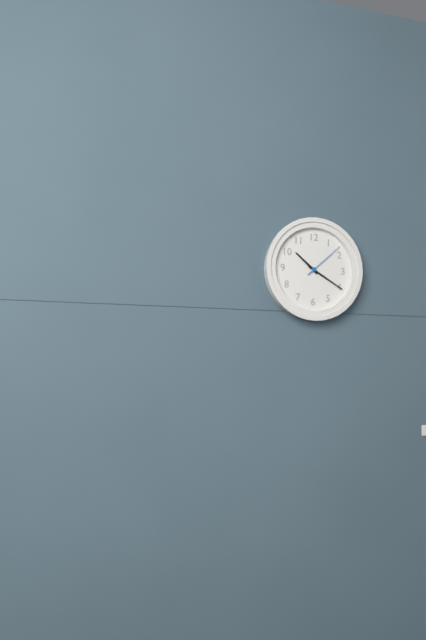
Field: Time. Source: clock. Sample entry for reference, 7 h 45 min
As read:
10 h 20 min
